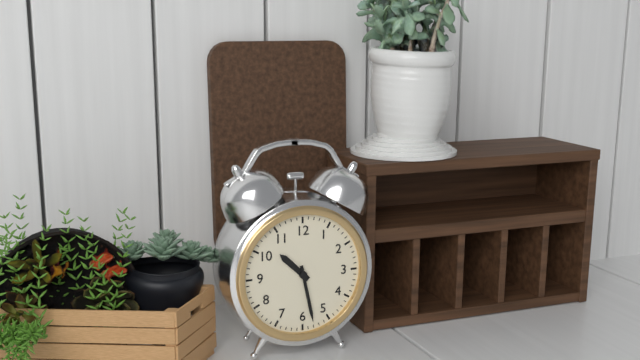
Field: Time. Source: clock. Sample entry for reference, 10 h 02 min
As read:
10 h 28 min
